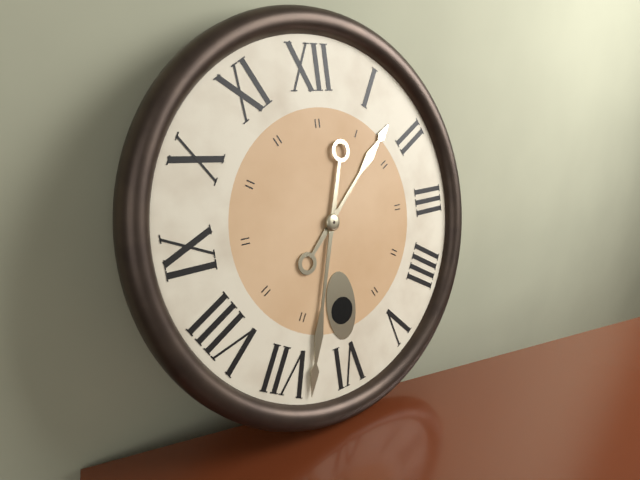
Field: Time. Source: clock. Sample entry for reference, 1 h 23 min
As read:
1 h 33 min
